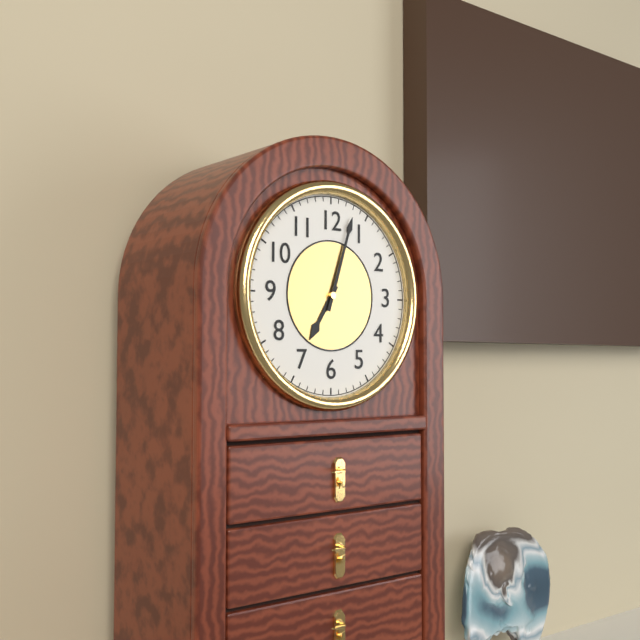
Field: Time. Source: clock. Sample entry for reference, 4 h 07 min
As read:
7 h 03 min
